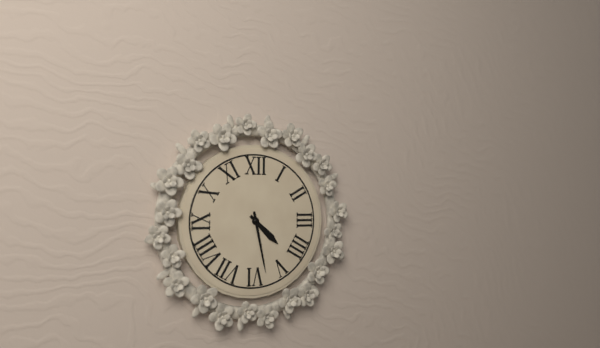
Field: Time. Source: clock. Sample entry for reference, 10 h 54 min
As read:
4 h 28 min
